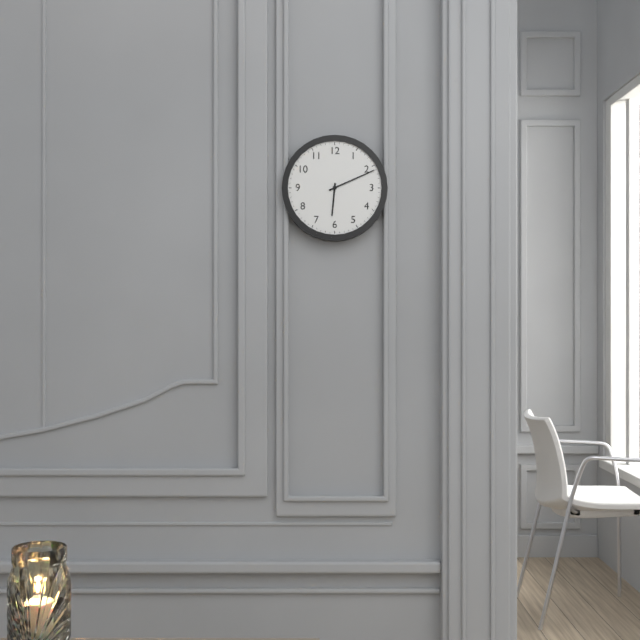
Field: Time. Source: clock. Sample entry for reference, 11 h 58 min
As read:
6 h 11 min
